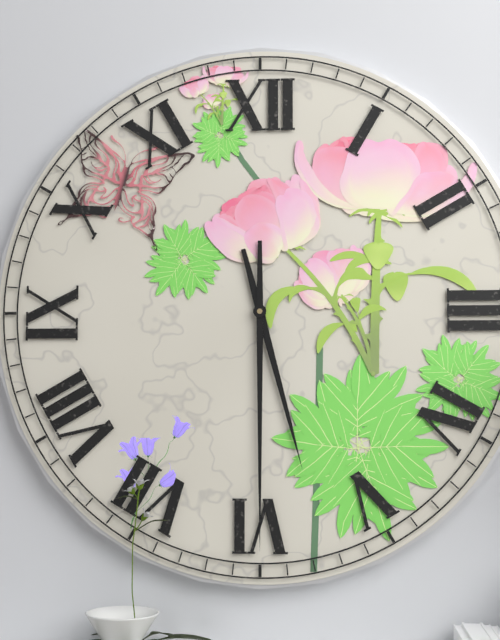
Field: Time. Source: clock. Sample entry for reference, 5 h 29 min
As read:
5 h 30 min
